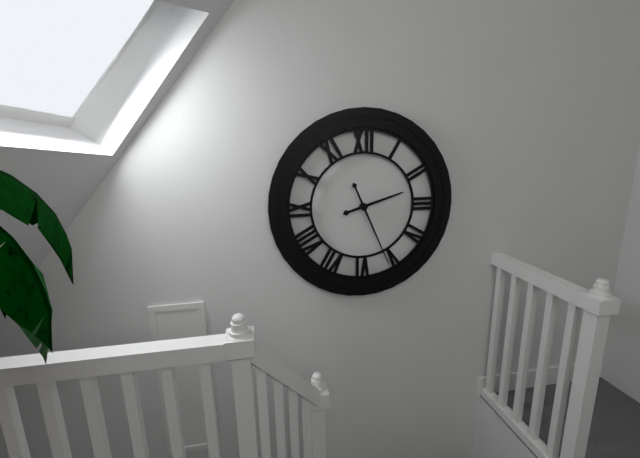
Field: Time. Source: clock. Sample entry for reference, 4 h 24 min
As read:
2 h 26 min
